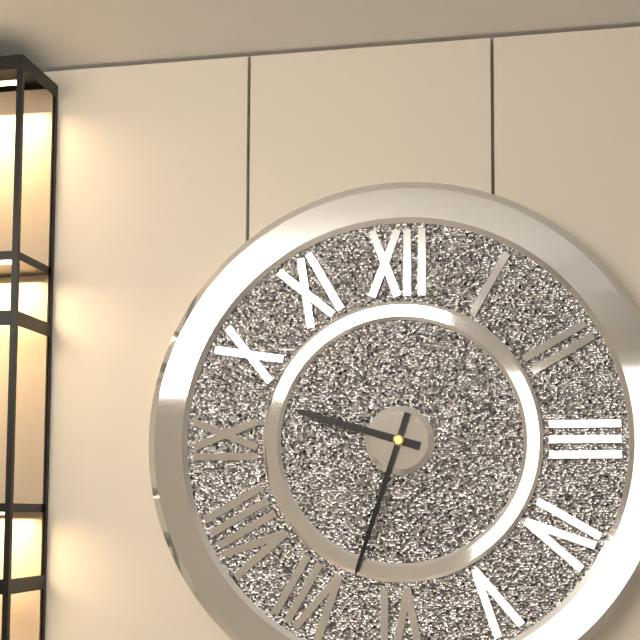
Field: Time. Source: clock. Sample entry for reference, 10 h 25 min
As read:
9 h 33 min
